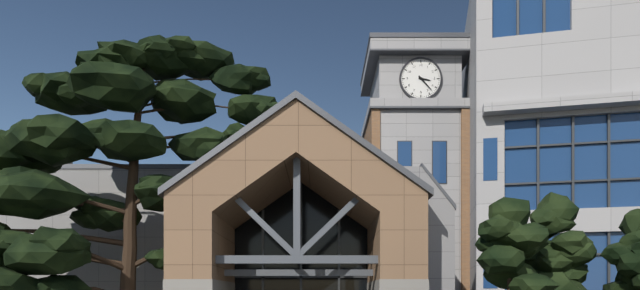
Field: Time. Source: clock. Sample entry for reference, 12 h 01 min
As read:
3 h 23 min
